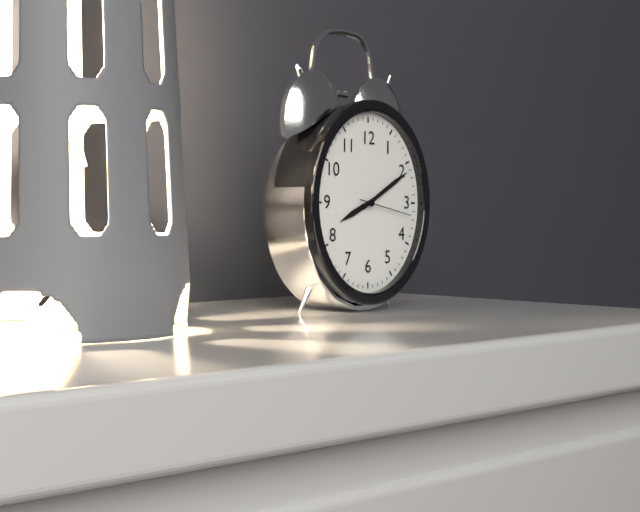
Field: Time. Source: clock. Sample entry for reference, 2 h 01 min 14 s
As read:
8 h 10 min 17 s
